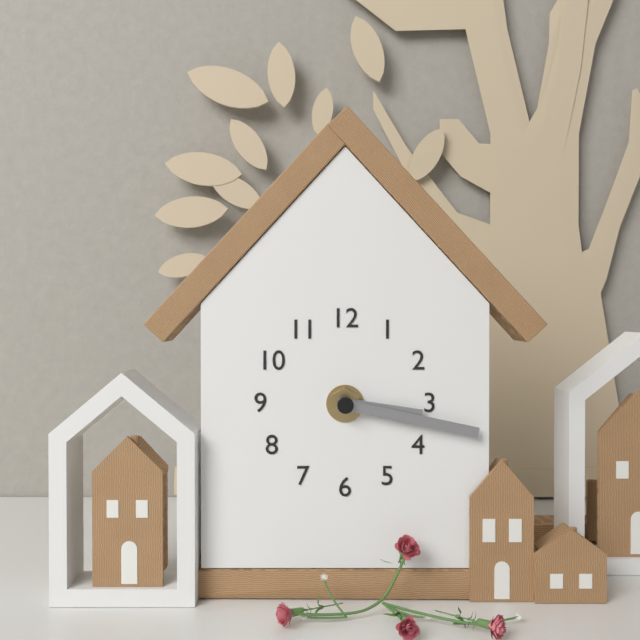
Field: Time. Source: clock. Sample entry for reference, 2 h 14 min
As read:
3 h 17 min
